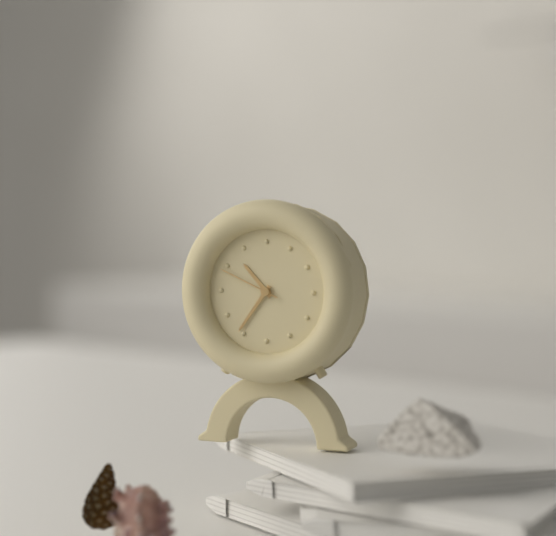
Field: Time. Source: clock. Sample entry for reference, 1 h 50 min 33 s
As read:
10 h 36 min 49 s
